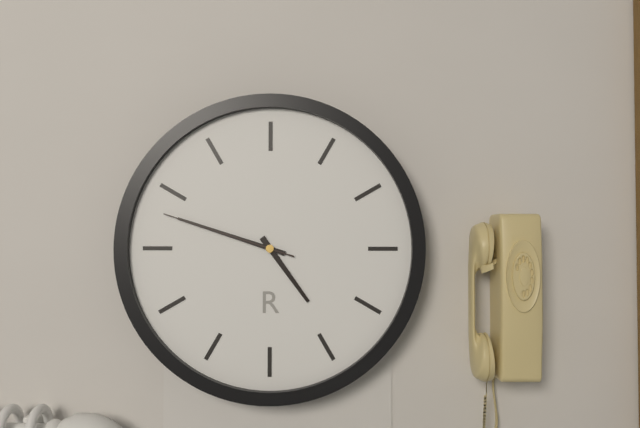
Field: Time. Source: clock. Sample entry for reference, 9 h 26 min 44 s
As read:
4 h 48 min 48 s
